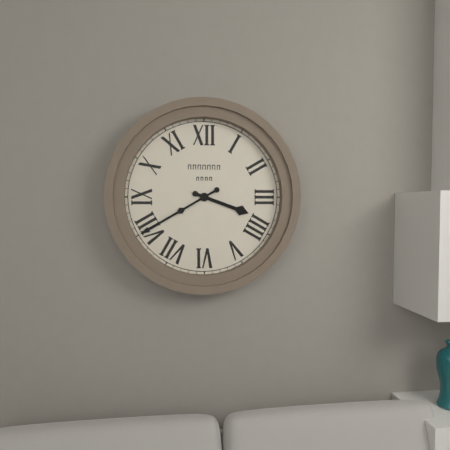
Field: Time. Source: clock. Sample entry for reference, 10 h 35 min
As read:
3 h 40 min
